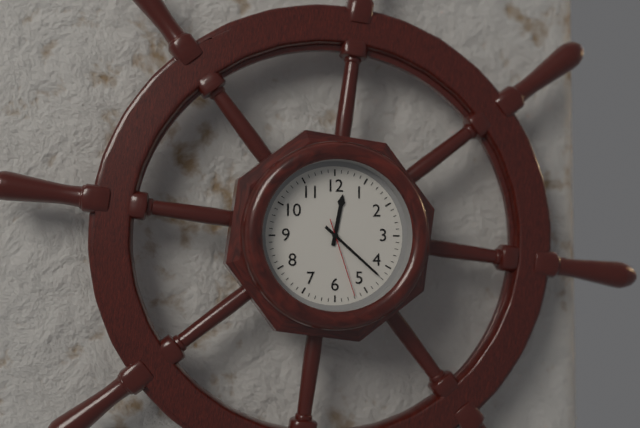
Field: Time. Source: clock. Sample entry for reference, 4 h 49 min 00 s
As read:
12 h 22 min 27 s
